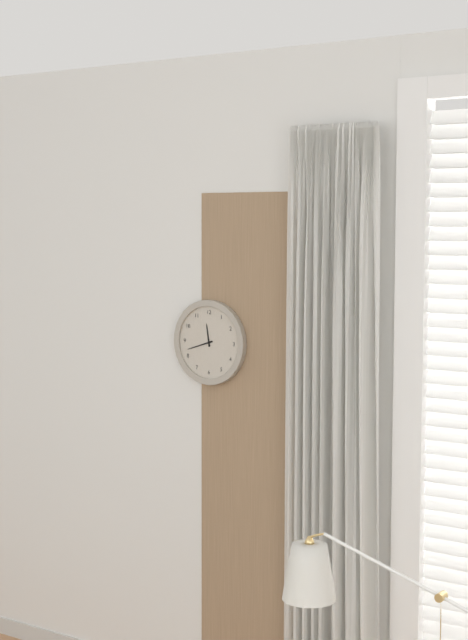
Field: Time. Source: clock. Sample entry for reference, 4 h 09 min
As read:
11 h 42 min
